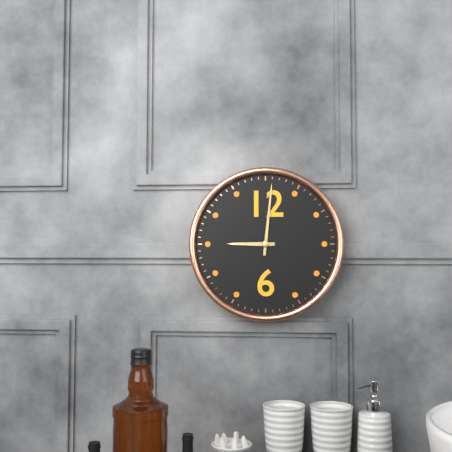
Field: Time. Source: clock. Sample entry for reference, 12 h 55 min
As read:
9 h 01 min
